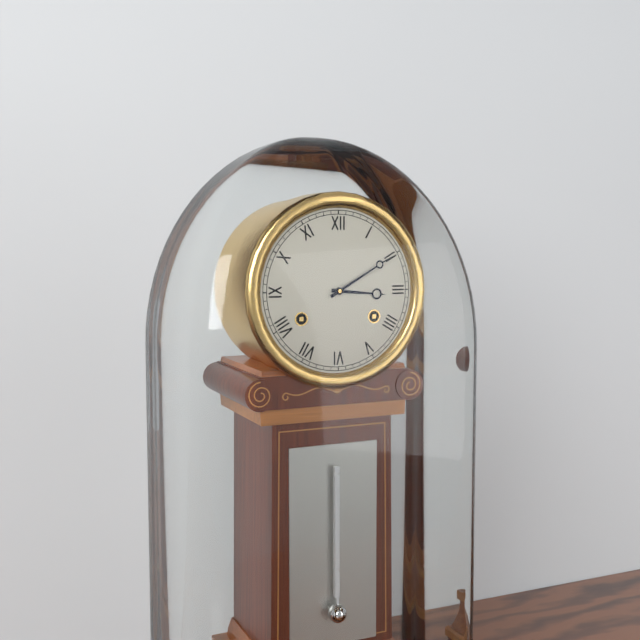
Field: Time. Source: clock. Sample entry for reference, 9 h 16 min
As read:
3 h 10 min
